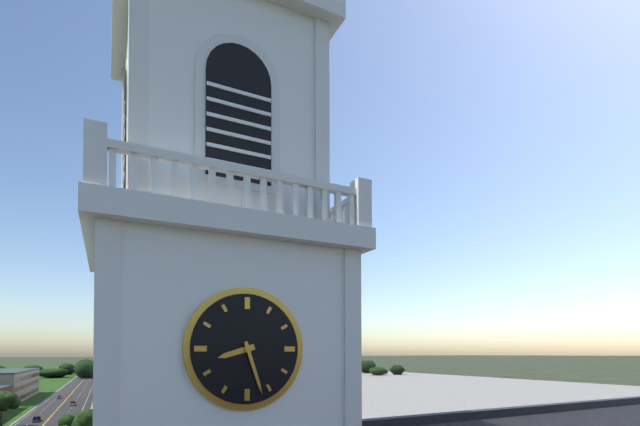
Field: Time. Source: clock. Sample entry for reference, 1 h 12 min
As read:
8 h 27 min
